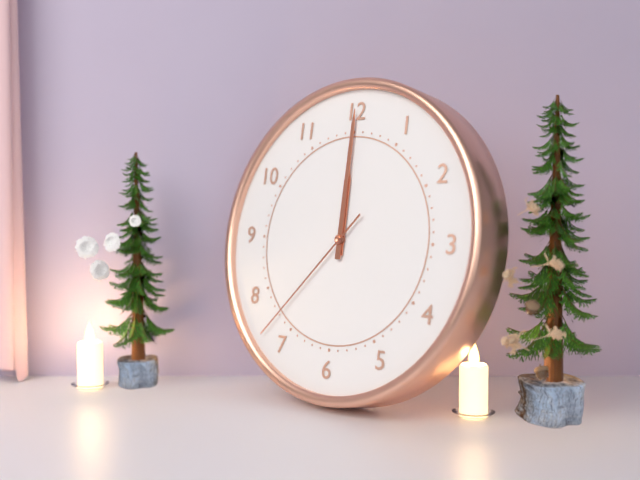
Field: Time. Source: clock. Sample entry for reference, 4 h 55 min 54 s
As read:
12 h 00 min 37 s
